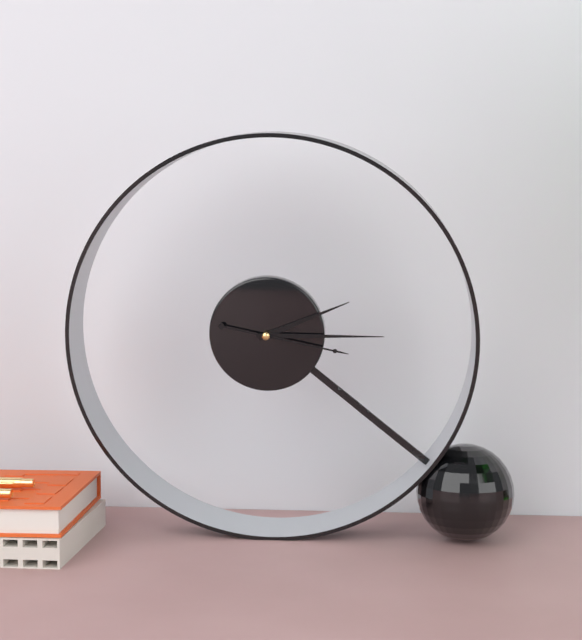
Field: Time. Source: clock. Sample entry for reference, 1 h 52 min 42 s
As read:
2 h 15 min 17 s
